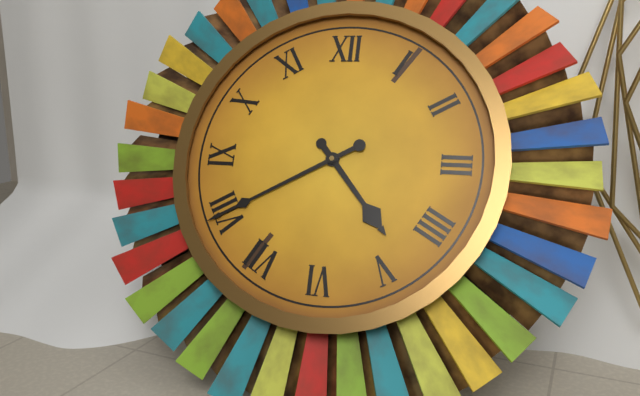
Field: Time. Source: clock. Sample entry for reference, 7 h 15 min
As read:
4 h 40 min
